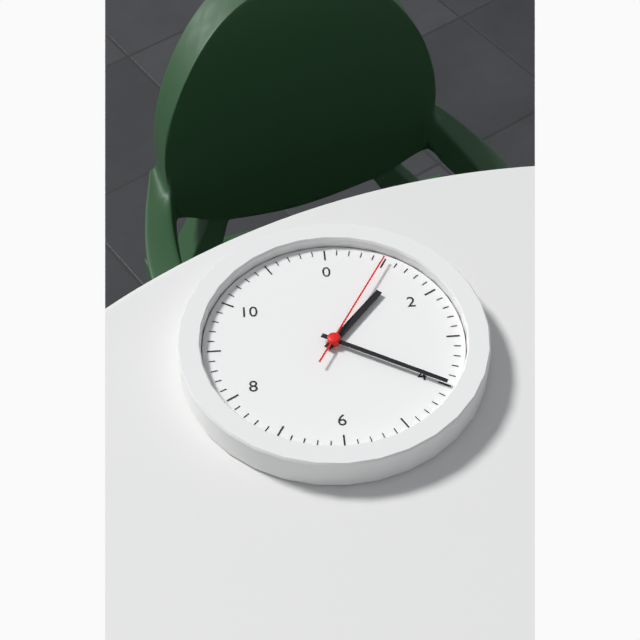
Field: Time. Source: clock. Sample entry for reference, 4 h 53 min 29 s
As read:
1 h 20 min 05 s
